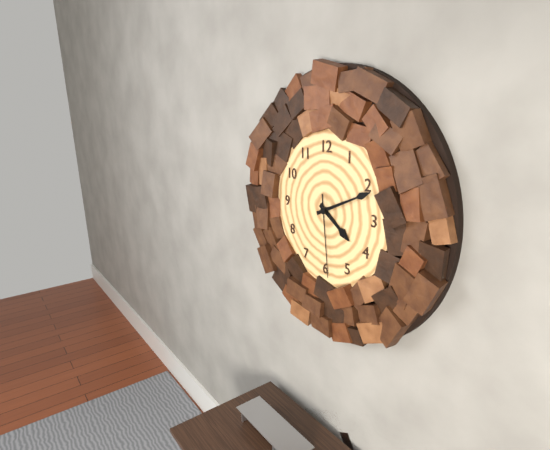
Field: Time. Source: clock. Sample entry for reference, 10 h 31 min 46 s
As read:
4 h 11 min 29 s
